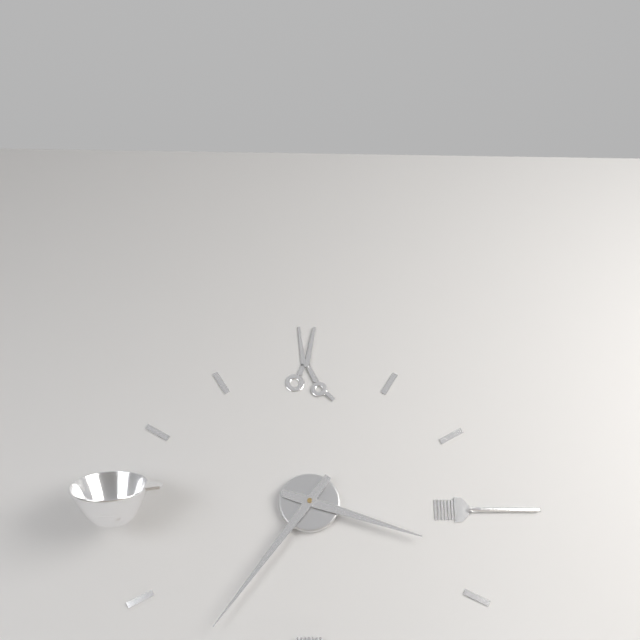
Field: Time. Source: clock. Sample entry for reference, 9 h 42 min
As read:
3 h 36 min
